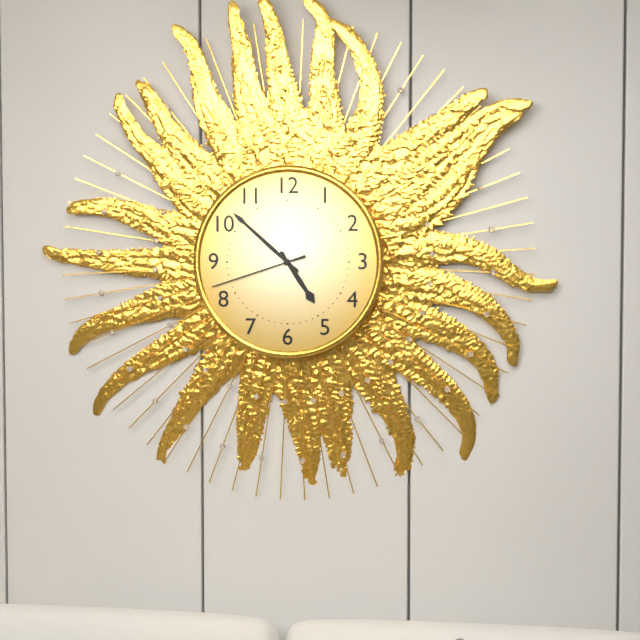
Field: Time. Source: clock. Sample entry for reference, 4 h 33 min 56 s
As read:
4 h 52 min 42 s
